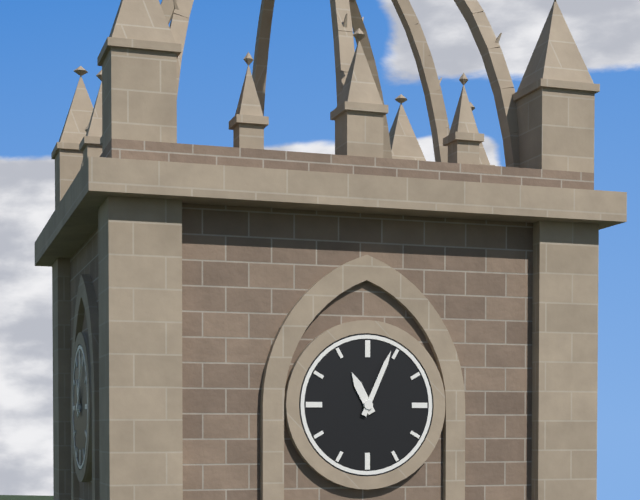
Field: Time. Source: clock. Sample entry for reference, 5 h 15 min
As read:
11 h 04 min
